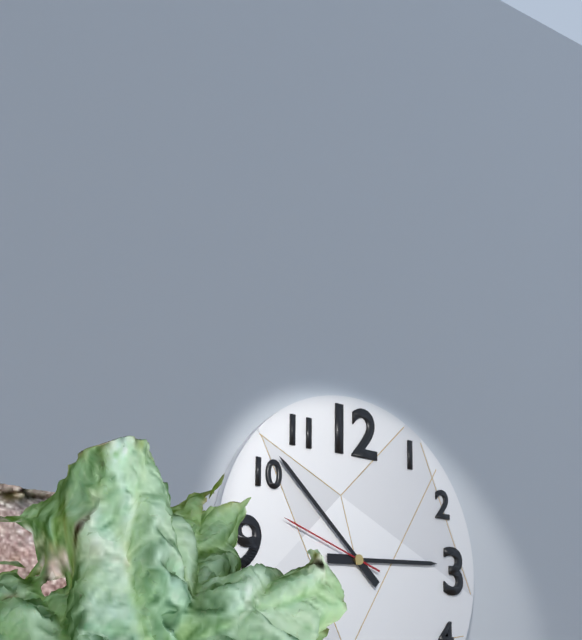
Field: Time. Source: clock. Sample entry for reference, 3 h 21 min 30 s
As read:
2 h 52 min 48 s
